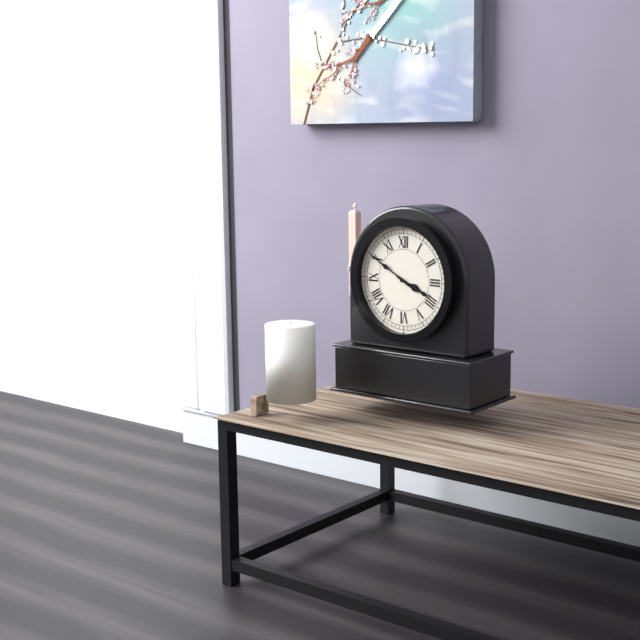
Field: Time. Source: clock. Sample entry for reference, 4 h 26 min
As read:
3 h 50 min
